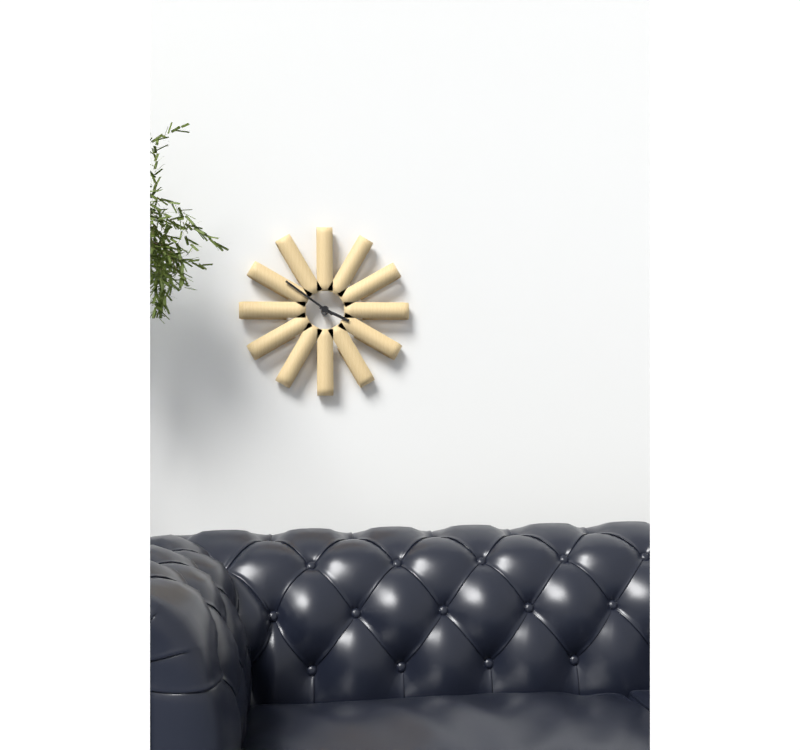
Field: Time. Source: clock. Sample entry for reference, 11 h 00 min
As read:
3 h 51 min
